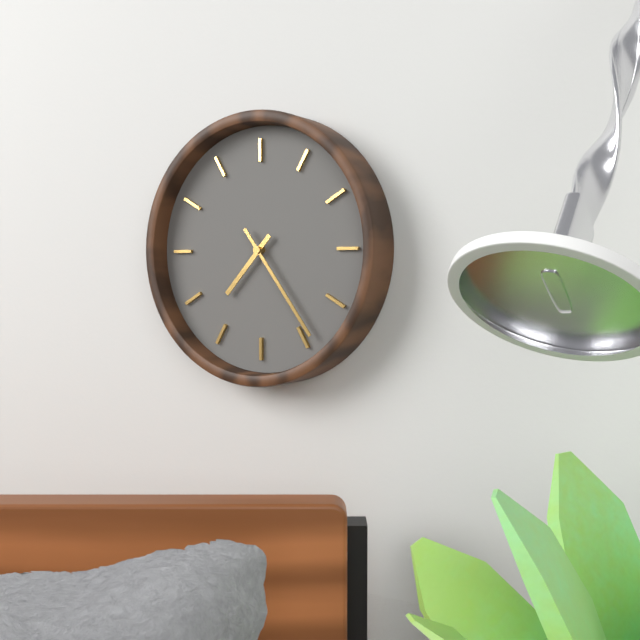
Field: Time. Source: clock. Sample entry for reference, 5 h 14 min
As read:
7 h 24 min
